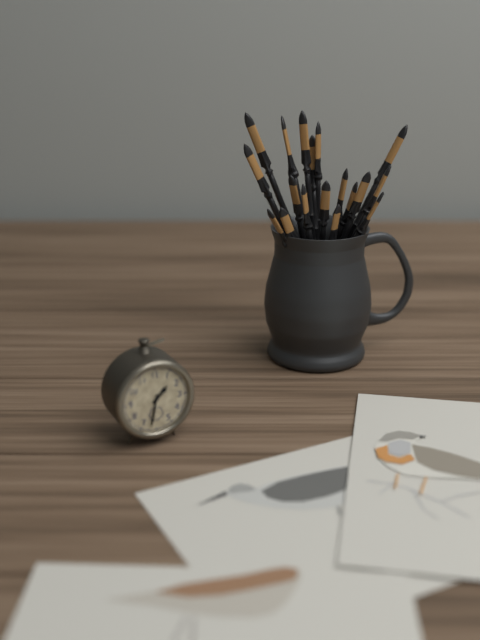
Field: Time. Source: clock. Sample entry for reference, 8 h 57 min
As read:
1 h 32 min
